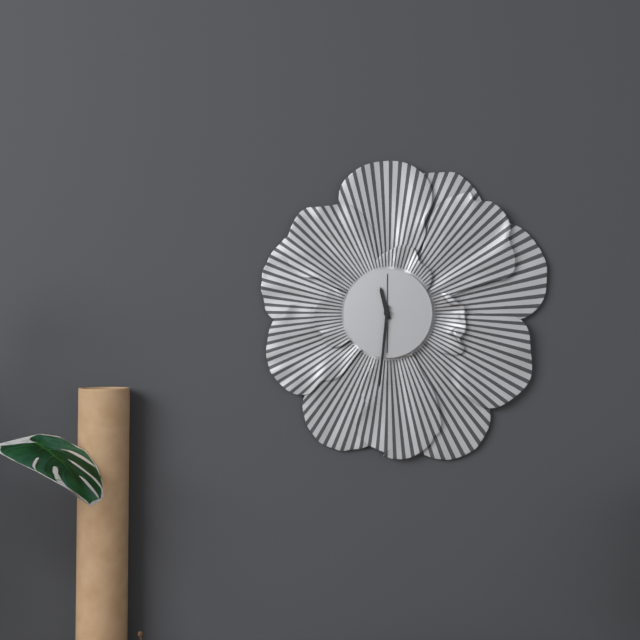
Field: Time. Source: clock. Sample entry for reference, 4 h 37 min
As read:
11 h 31 min
